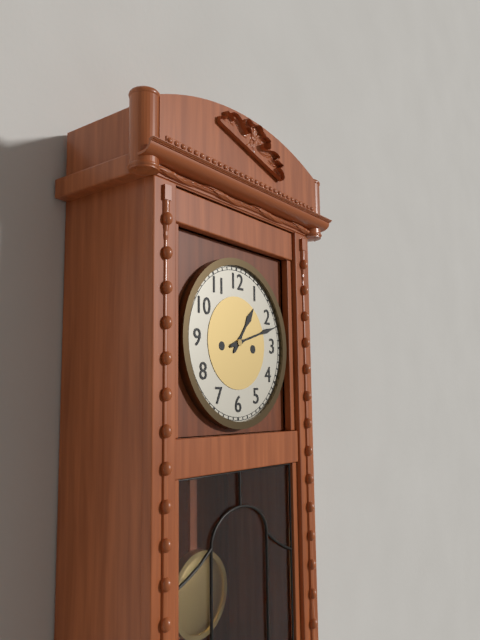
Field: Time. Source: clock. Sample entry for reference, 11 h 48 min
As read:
1 h 12 min
